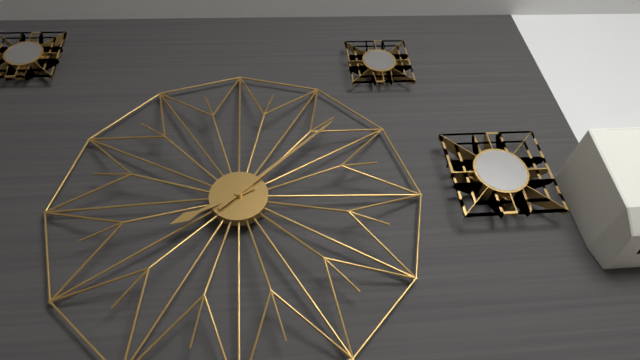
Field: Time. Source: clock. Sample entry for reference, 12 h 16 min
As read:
8 h 08 min
